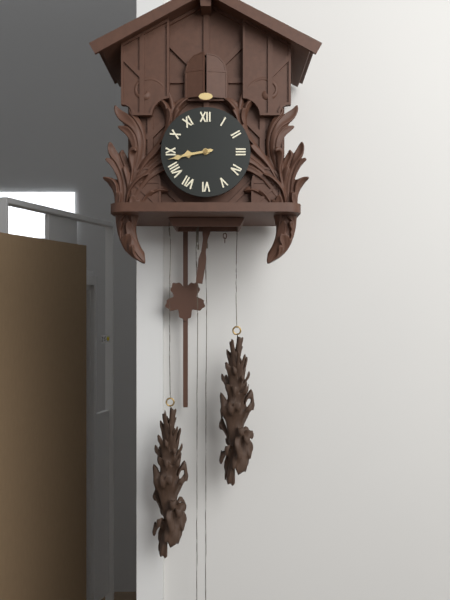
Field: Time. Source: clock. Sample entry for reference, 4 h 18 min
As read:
8 h 43 min
